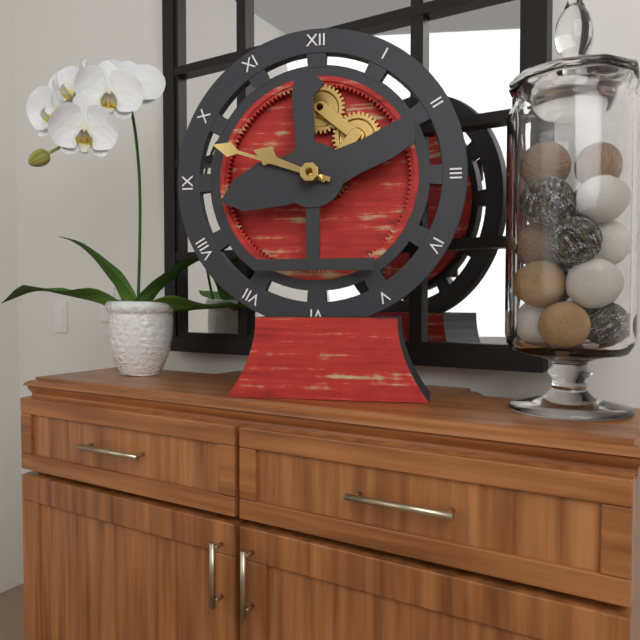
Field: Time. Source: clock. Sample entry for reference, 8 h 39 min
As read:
9 h 48 min
